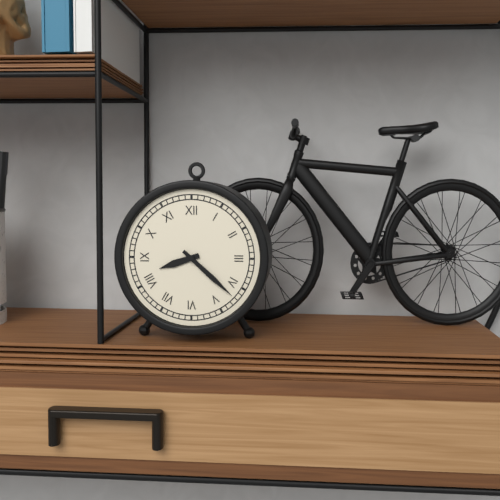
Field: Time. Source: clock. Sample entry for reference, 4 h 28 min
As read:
8 h 22 min
